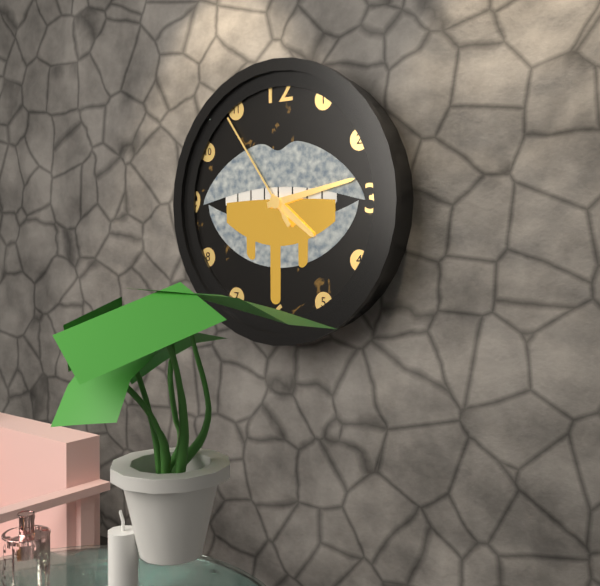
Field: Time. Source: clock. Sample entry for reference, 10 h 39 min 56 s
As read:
4 h 13 min 54 s
